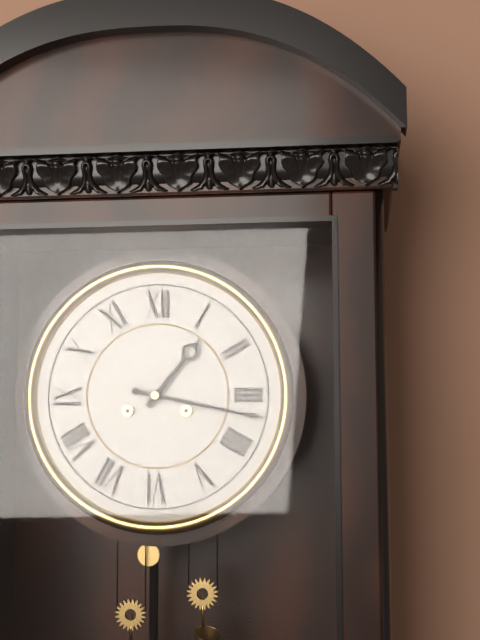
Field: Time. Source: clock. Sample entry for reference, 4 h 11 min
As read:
1 h 17 min
